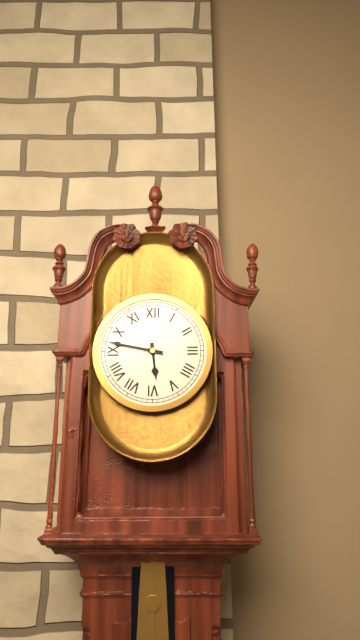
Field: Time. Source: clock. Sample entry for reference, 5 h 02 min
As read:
5 h 47 min
